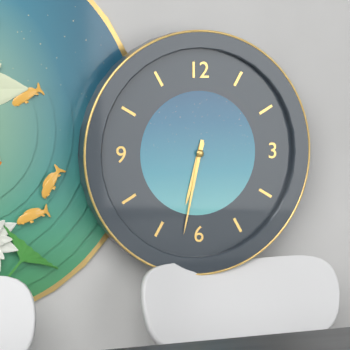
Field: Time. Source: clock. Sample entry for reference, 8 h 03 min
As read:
6 h 32 min
